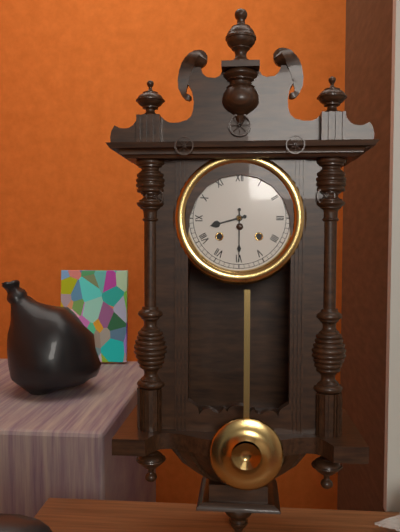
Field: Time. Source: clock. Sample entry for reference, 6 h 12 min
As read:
8 h 30 min
